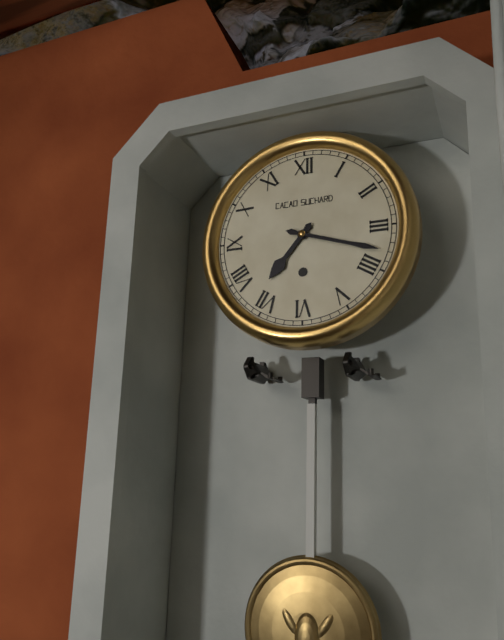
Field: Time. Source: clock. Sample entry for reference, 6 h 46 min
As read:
7 h 18 min
